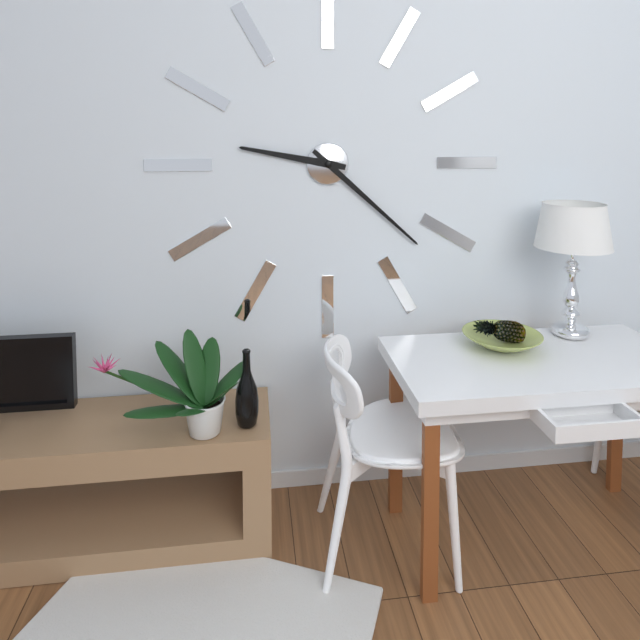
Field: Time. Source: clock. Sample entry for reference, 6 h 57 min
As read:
9 h 22 min
